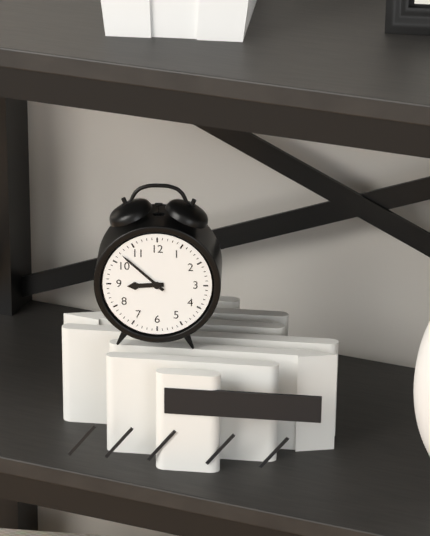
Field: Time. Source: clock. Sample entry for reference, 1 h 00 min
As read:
8 h 52 min
